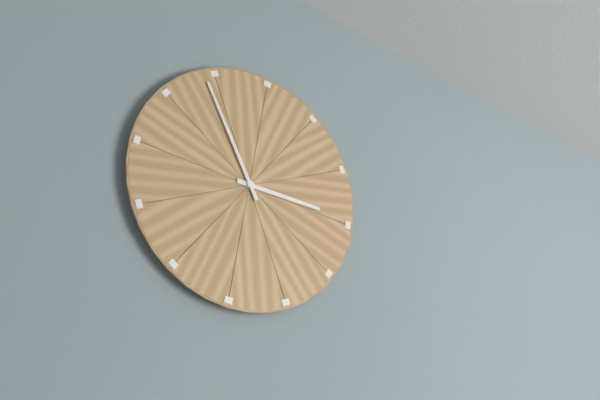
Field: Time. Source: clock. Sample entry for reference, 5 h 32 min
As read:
2 h 54 min
